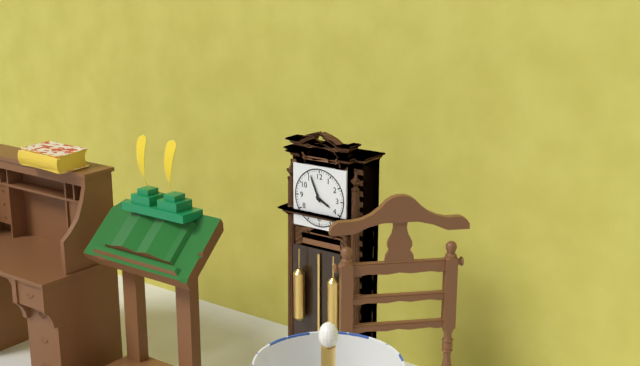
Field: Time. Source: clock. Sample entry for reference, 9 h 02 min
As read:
3 h 56 min
